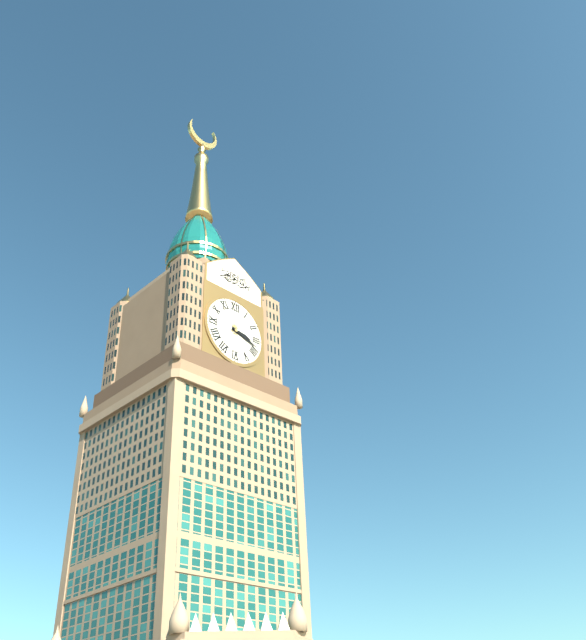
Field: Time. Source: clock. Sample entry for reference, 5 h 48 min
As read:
3 h 18 min
